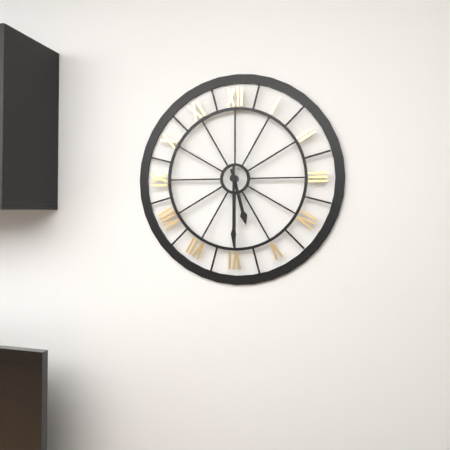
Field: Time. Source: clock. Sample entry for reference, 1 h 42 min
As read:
5 h 30 min
